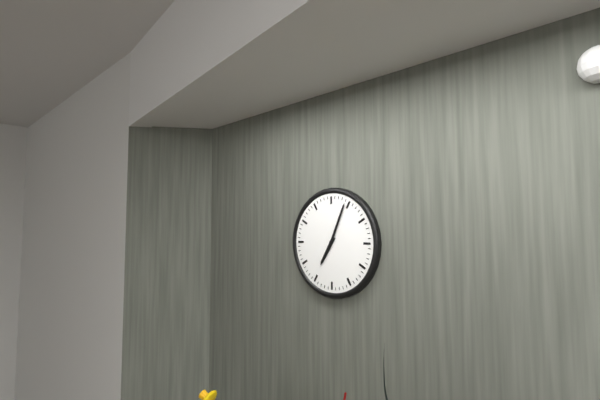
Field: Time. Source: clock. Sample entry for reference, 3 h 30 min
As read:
7 h 04 min
